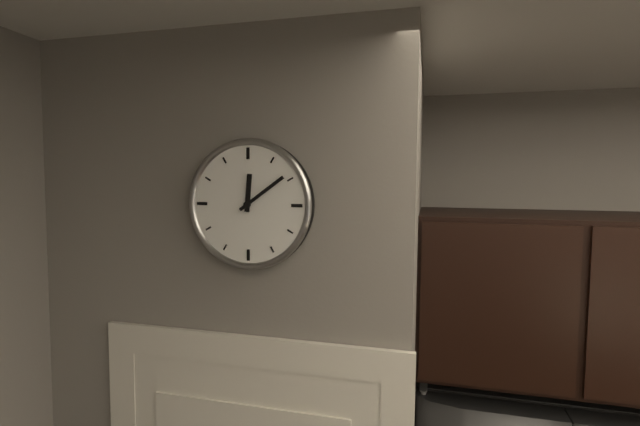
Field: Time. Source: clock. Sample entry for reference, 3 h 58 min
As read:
12 h 09 min
